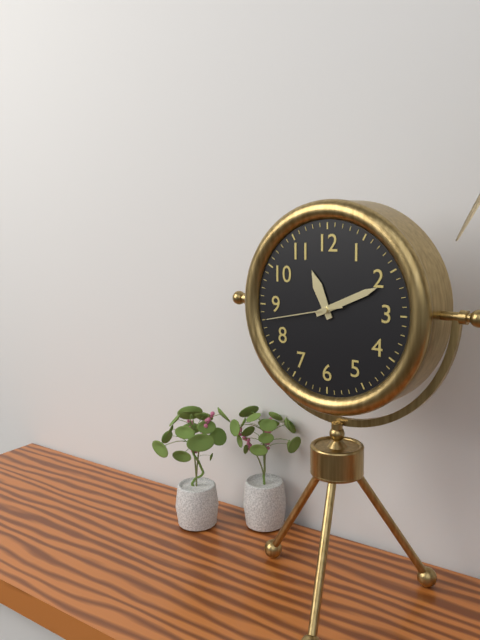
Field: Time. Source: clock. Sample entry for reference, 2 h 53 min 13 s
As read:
11 h 11 min 43 s
